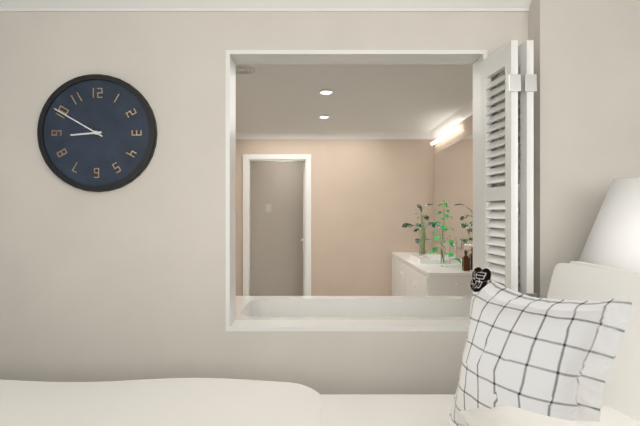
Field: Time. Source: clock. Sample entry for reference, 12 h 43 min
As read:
8 h 50 min
